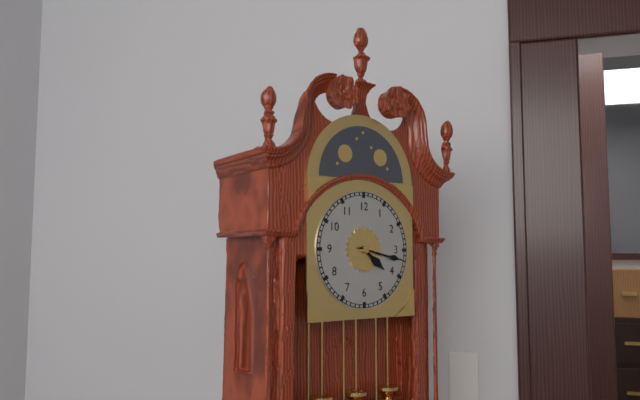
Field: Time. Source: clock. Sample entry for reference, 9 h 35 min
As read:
4 h 17 min
